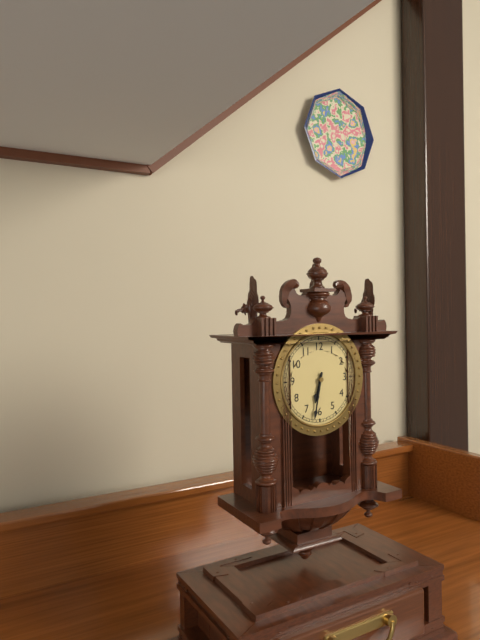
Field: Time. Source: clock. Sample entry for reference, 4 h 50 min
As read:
6 h 32 min
